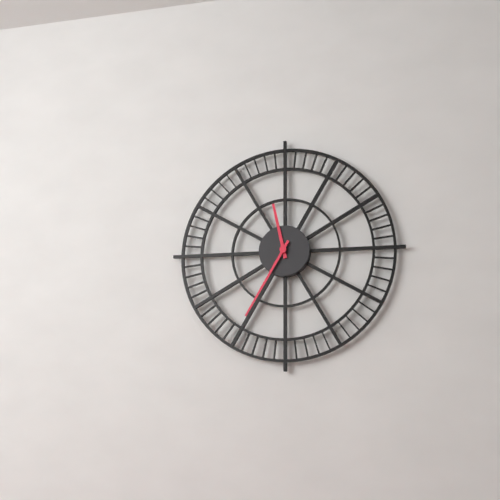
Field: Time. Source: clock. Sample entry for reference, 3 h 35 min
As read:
11 h 35 min
